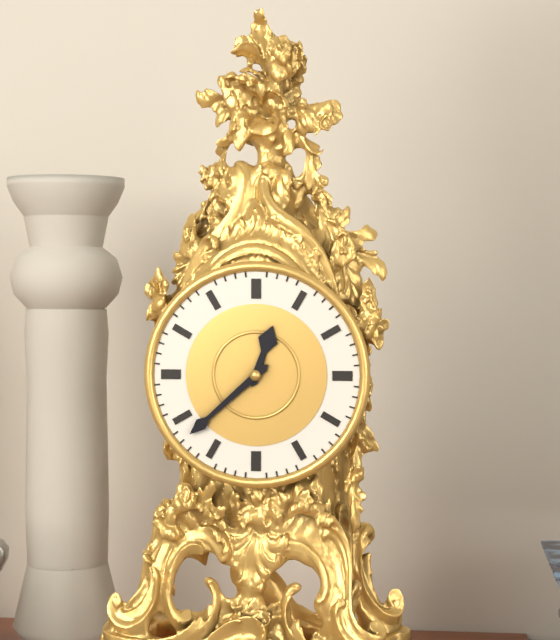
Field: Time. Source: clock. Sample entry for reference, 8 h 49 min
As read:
12 h 38 min
